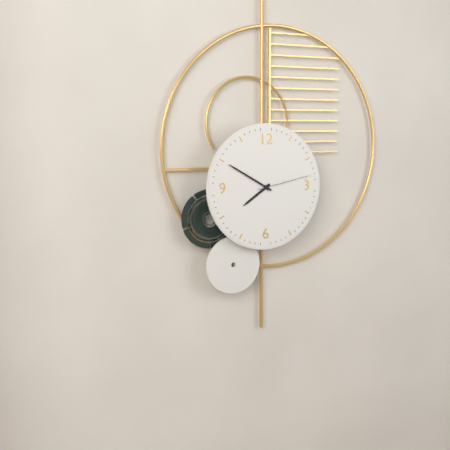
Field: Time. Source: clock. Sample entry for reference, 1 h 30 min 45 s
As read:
7 h 50 min 13 s
